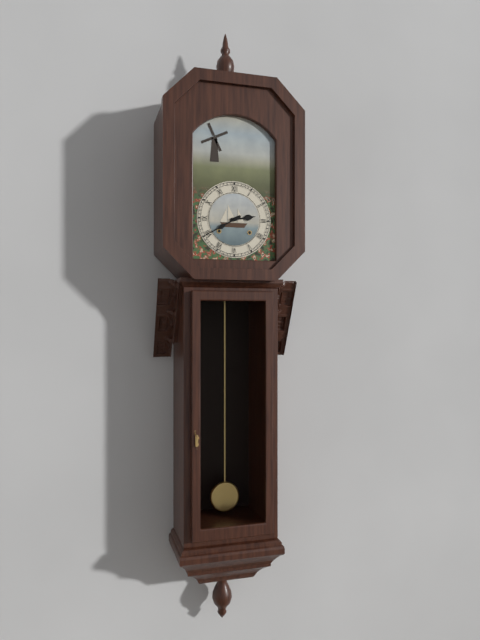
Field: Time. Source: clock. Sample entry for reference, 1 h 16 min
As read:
2 h 40 min
